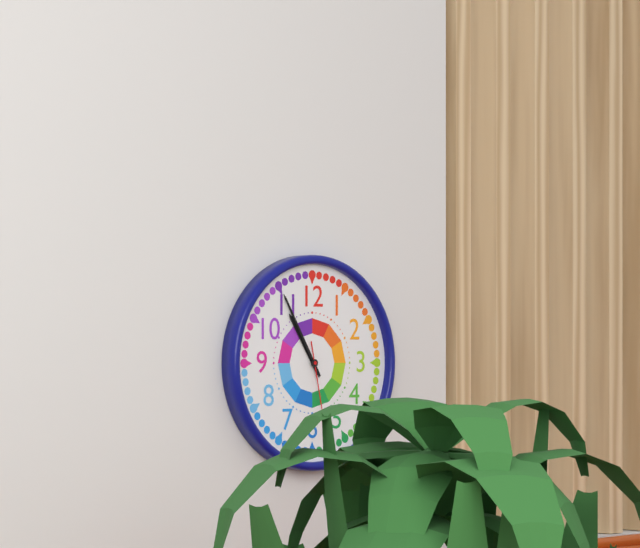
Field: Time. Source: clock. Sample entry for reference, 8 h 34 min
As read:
10 h 55 min
